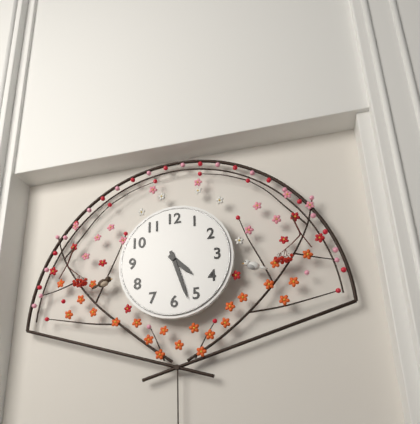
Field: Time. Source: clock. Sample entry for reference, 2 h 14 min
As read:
4 h 27 min
